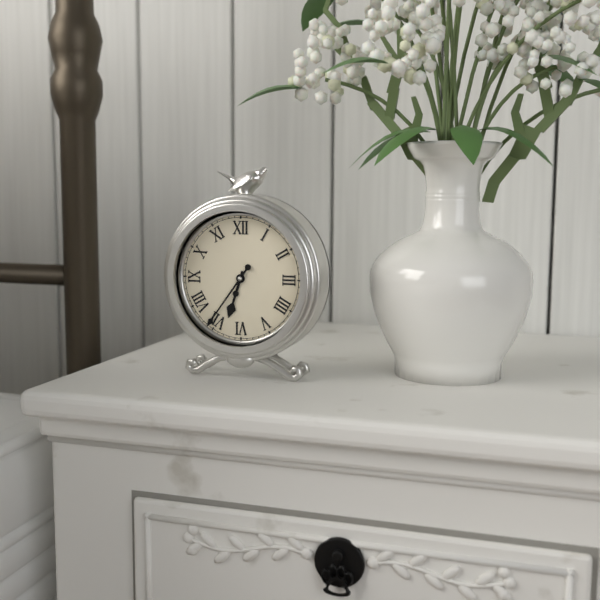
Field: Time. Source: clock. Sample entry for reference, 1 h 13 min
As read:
6 h 36 min
